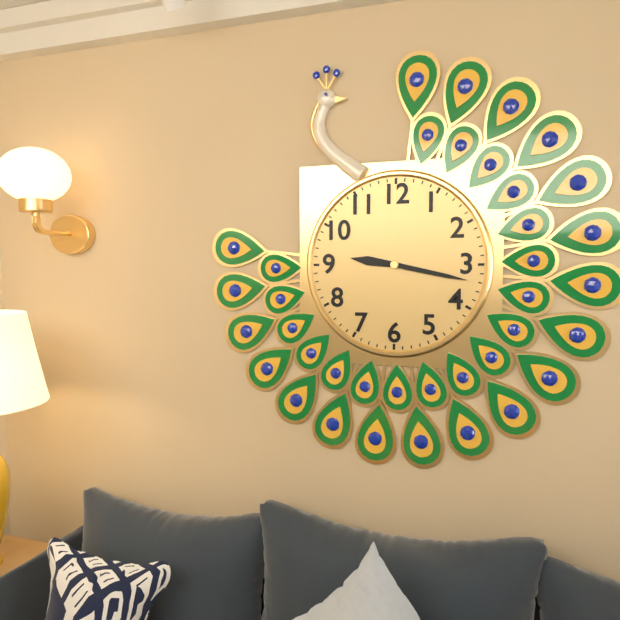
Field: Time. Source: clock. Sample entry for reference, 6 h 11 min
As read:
9 h 17 min
